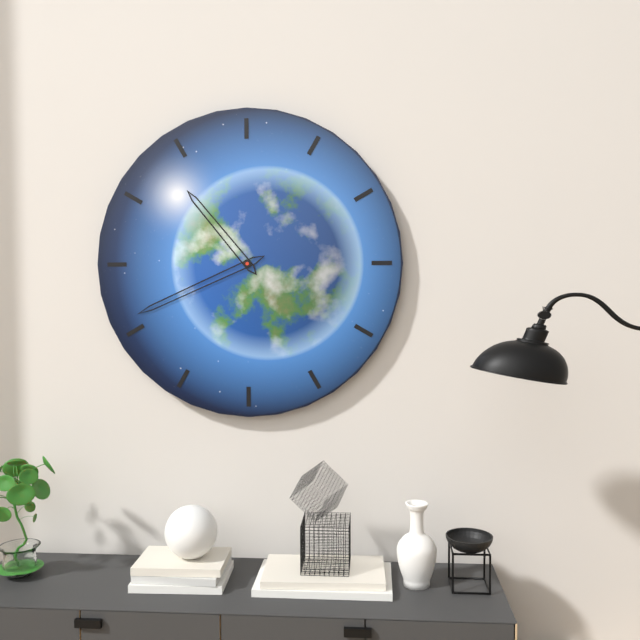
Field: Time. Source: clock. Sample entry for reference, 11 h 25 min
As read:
10 h 41 min
